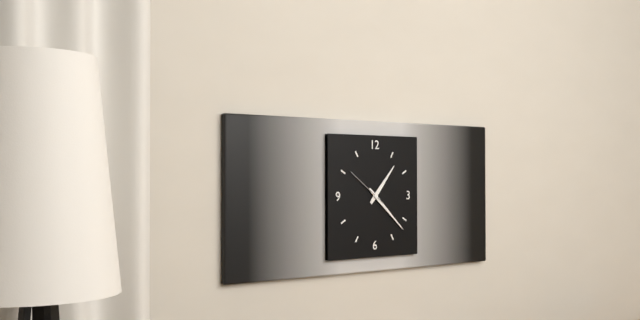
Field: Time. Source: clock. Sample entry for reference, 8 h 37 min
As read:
1 h 22 min
